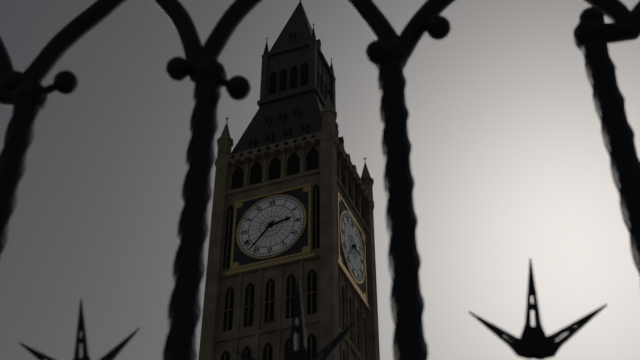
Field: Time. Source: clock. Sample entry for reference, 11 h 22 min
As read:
2 h 37 min
